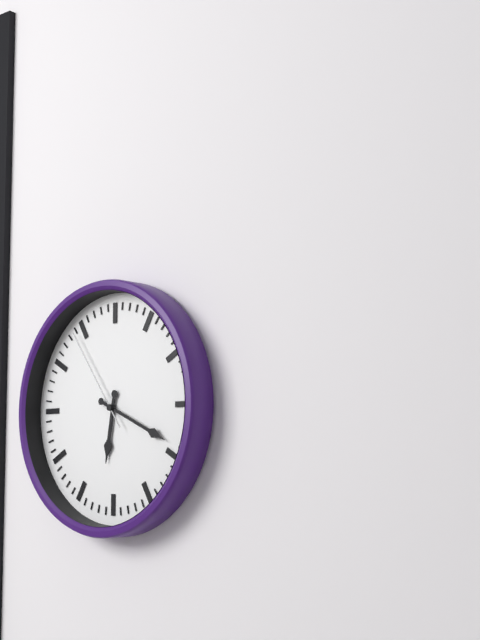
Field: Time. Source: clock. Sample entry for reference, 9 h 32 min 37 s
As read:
6 h 19 min 54 s
